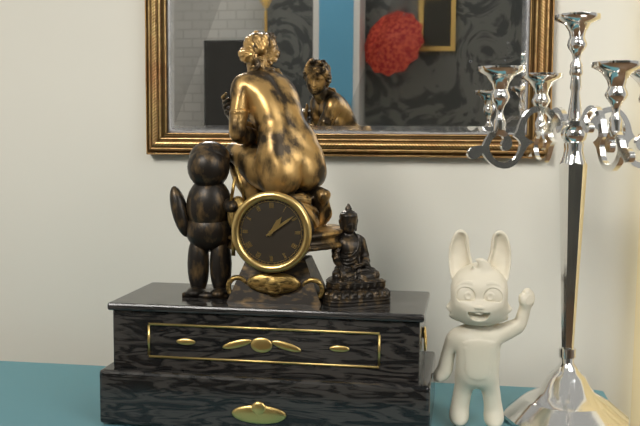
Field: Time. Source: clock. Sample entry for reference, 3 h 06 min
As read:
1 h 09 min
